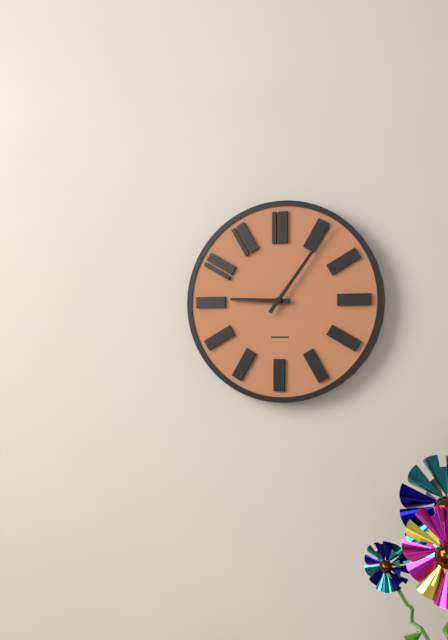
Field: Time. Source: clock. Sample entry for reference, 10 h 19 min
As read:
9 h 06 min
